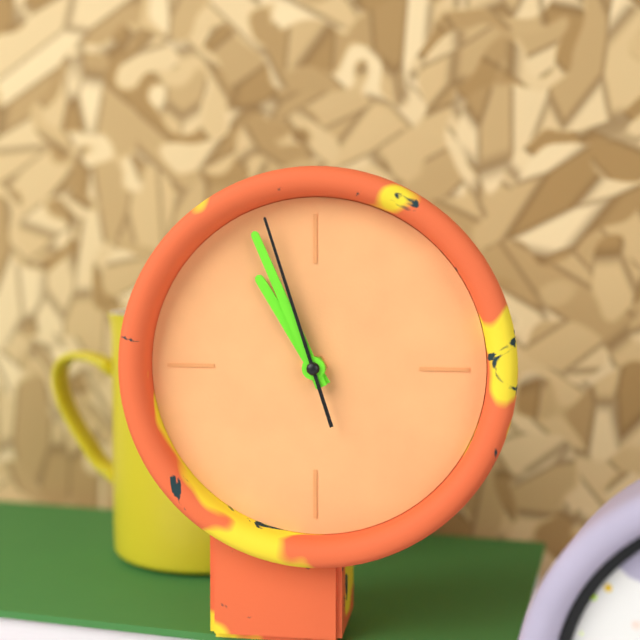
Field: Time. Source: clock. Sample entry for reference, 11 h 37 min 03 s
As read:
10 h 56 min 57 s
